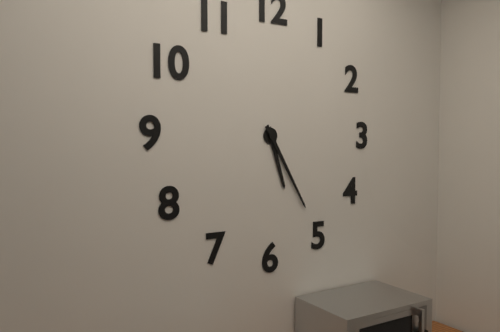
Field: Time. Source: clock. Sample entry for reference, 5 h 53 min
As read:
5 h 25 min
